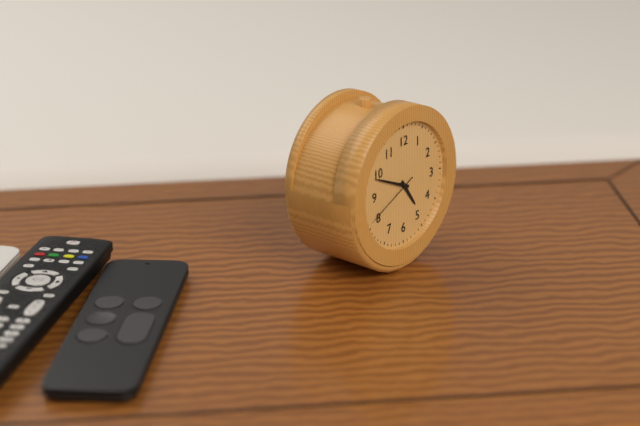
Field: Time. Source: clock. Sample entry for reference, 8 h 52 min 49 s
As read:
4 h 49 min 41 s
